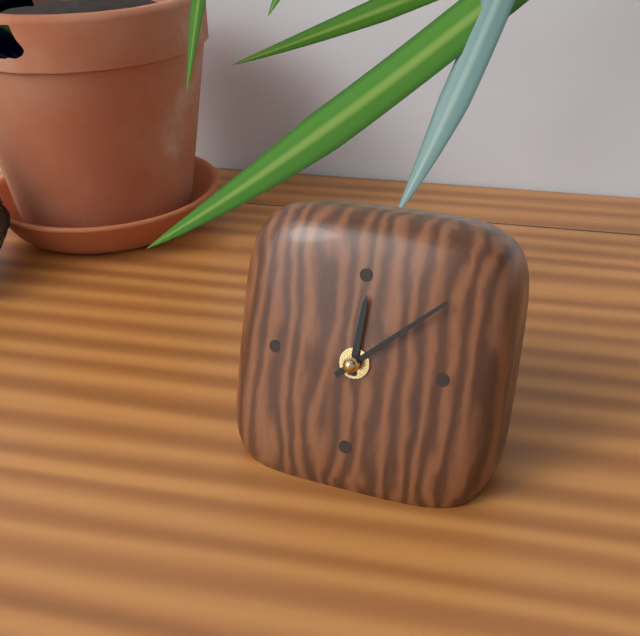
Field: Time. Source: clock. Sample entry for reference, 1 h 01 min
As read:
12 h 08 min
